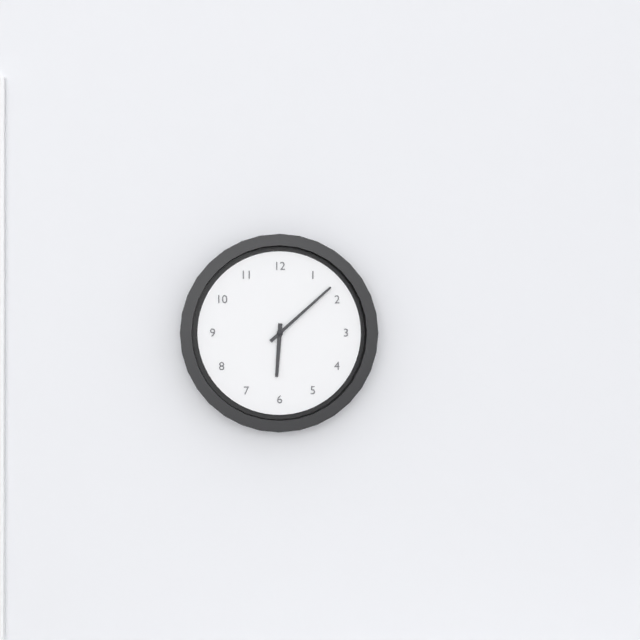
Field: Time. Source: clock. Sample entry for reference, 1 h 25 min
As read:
6 h 08 min
